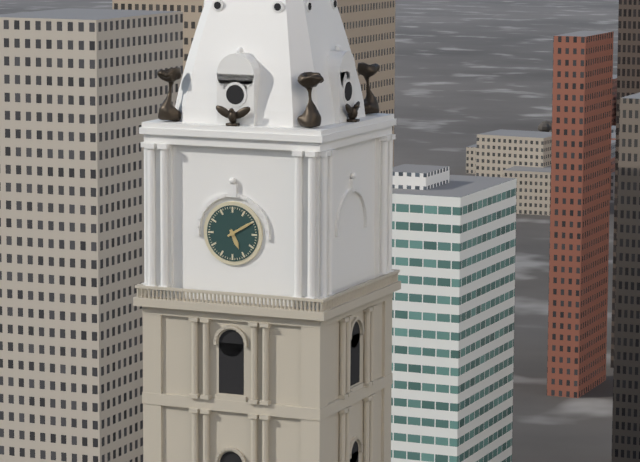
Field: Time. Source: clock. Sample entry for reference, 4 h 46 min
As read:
5 h 10 min
